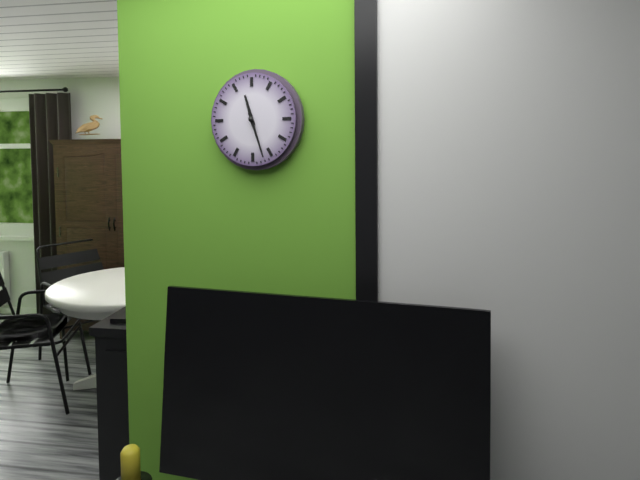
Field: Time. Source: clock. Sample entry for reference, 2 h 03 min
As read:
11 h 27 min
